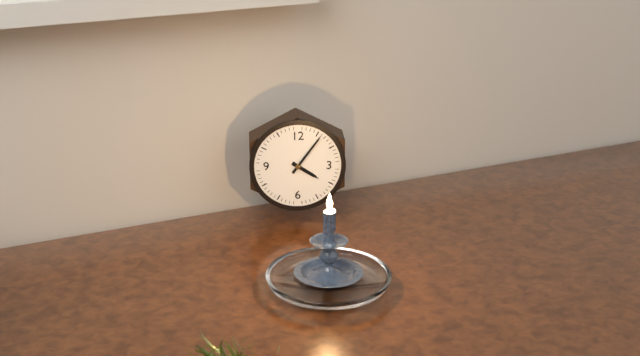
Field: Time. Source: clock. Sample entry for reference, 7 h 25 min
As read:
4 h 06 min
